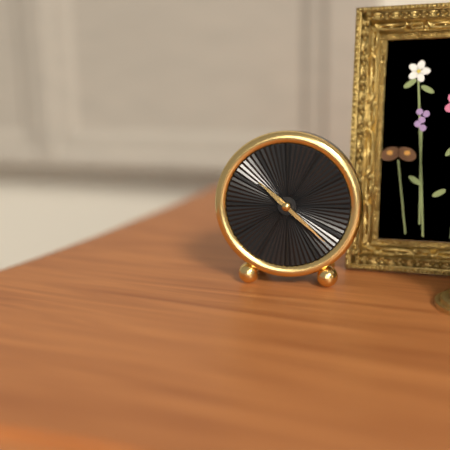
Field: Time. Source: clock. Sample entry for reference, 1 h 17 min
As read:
10 h 22 min
